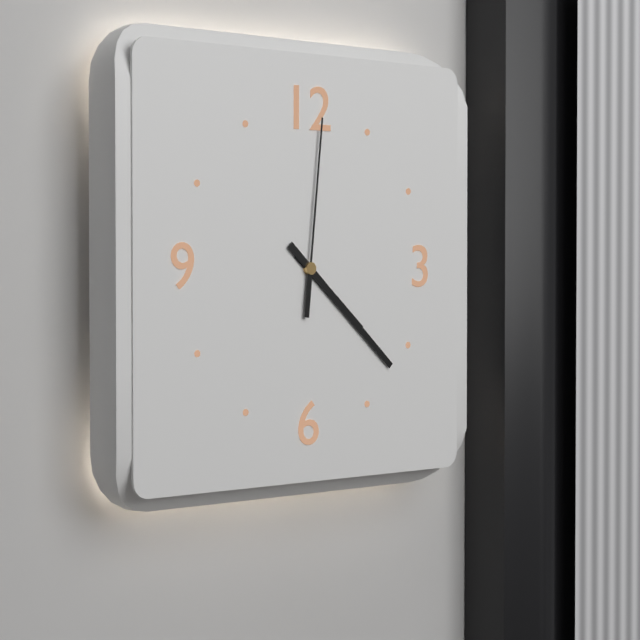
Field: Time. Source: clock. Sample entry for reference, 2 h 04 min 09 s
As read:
4 h 22 min 01 s
